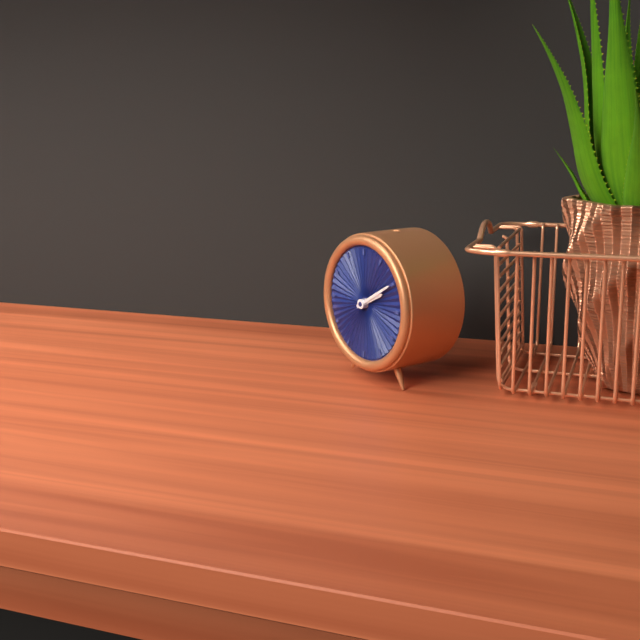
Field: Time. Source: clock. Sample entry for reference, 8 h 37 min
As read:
2 h 10 min
